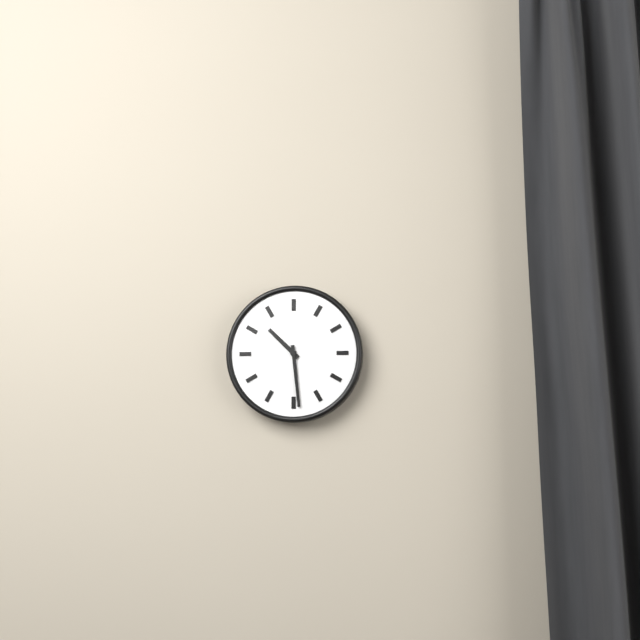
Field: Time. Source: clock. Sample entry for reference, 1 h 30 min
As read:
10 h 29 min
